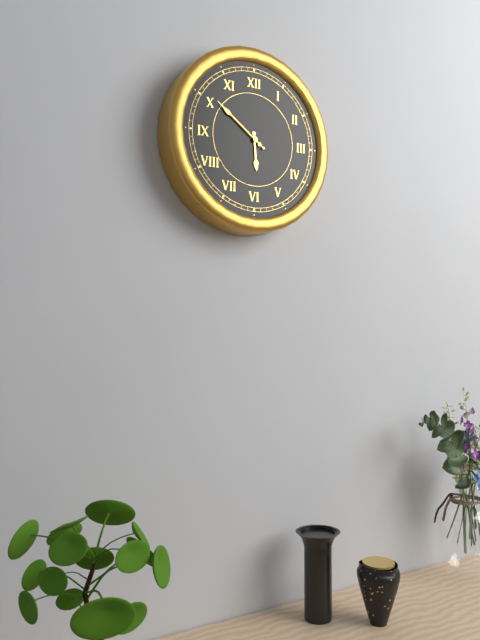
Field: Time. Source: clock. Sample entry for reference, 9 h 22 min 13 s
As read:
5 h 51 min 51 s
